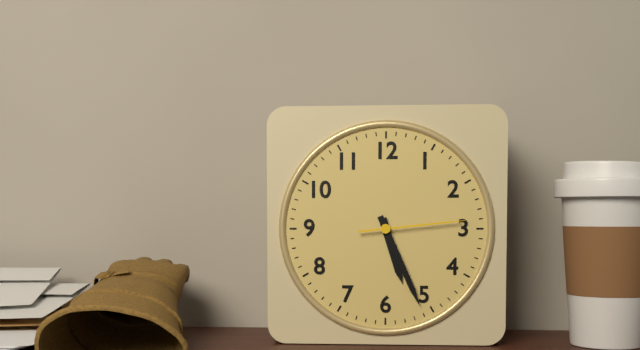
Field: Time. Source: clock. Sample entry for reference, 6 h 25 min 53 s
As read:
5 h 26 min 14 s
